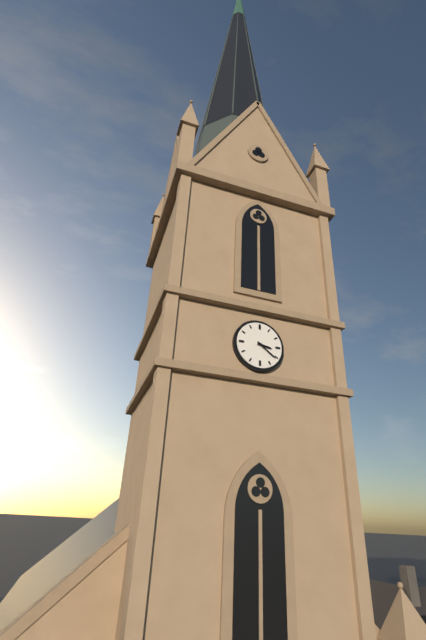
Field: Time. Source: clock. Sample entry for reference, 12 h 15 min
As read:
3 h 21 min
